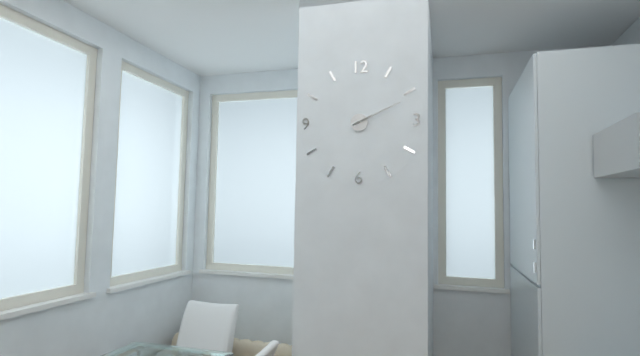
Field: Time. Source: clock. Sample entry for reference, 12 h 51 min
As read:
2 h 11 min
